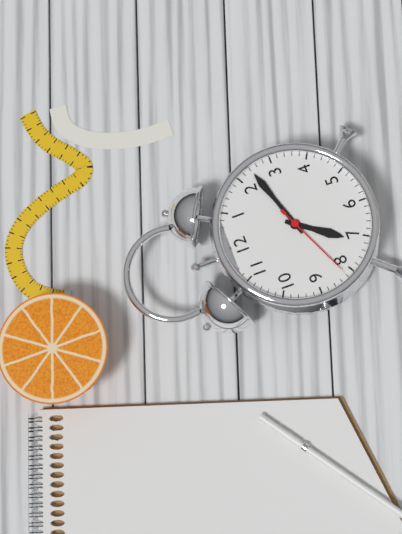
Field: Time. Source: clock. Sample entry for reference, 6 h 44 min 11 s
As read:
7 h 12 min 41 s
